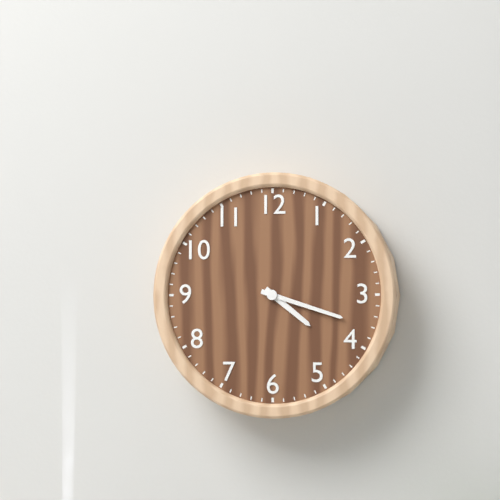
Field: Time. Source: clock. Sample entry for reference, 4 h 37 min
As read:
4 h 18 min
